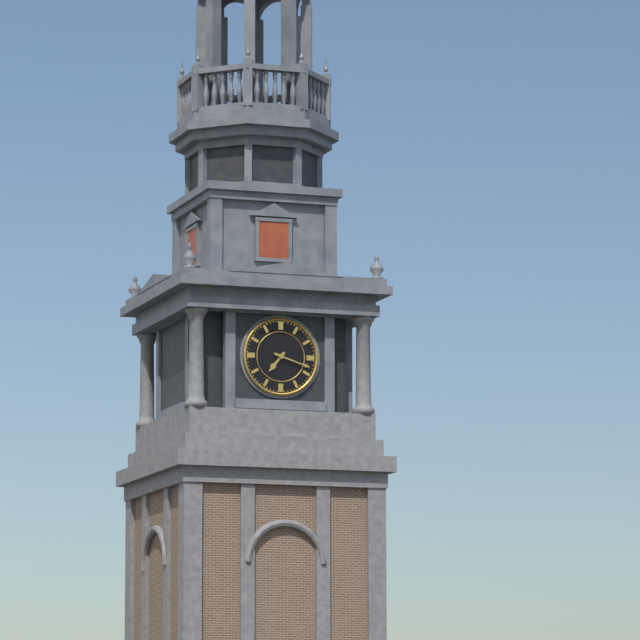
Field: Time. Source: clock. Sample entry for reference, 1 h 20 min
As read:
7 h 18 min
